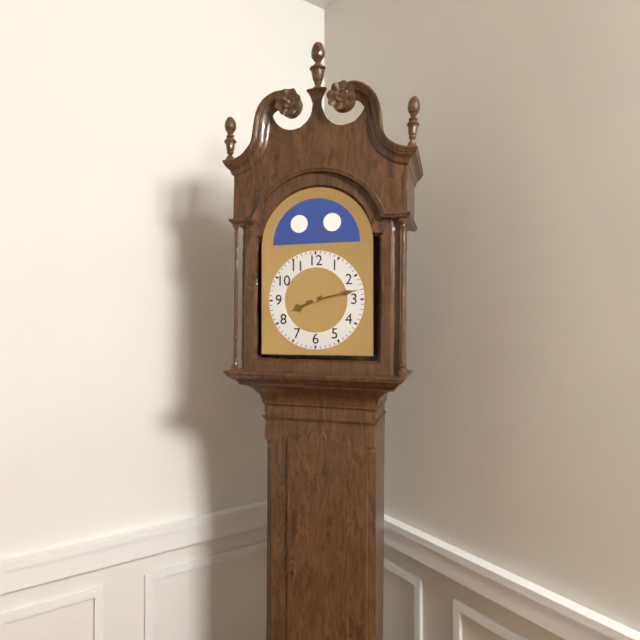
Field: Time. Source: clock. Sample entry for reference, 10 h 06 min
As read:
8 h 13 min
